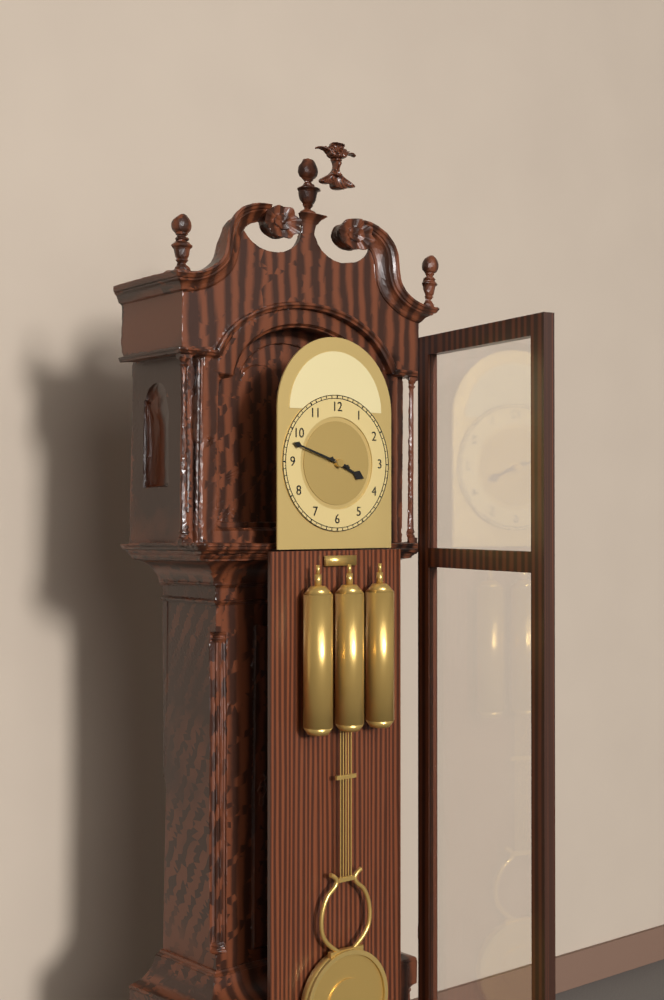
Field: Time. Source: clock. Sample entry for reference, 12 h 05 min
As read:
3 h 48 min
